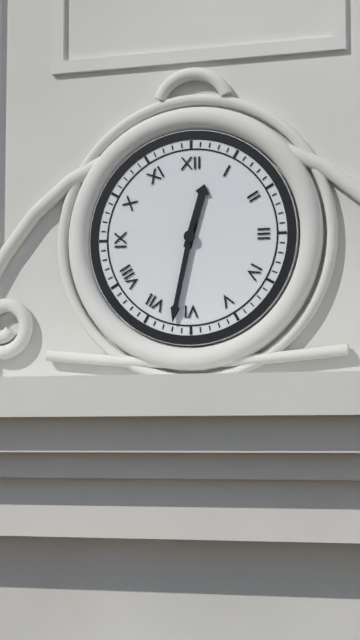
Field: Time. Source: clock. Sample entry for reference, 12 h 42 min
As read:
12 h 32 min
